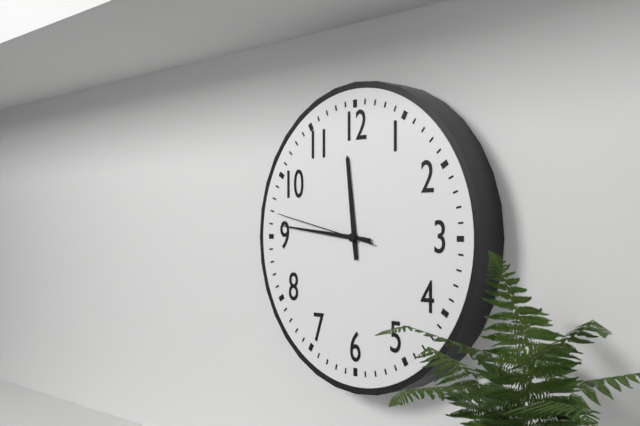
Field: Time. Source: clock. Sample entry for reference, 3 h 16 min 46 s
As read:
11 h 46 min 47 s
